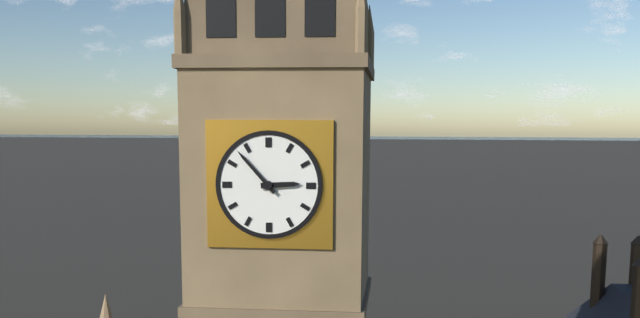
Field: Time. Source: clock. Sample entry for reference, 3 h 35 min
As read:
2 h 53 min
